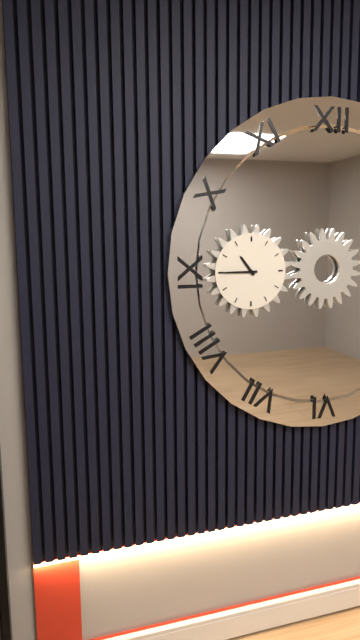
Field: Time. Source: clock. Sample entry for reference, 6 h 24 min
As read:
10 h 45 min
